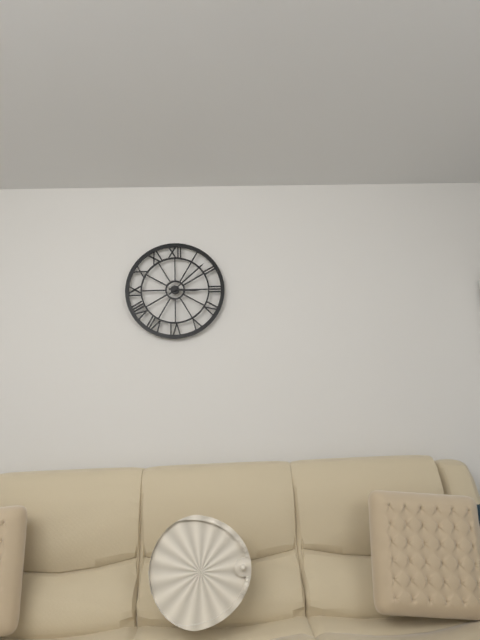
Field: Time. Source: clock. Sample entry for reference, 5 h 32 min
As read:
3 h 08 min
